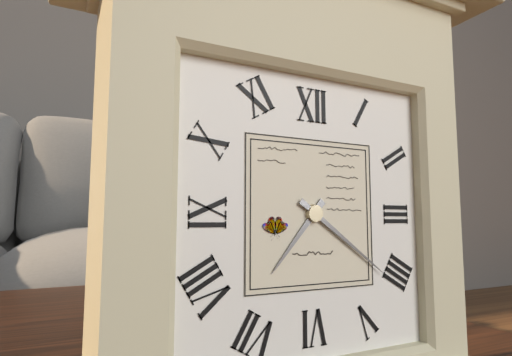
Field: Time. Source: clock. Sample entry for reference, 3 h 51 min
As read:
7 h 21 min
